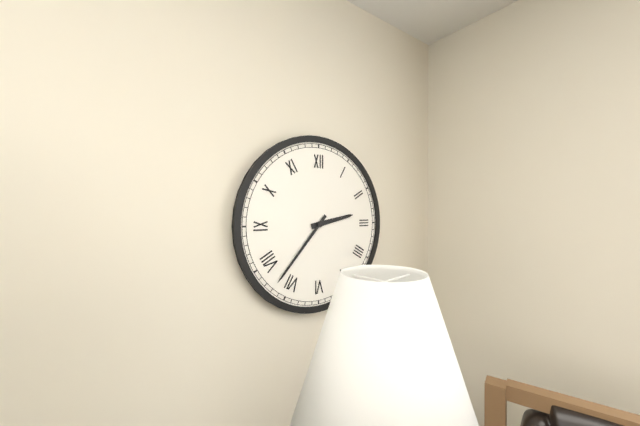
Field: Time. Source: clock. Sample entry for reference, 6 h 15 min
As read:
2 h 37 min
